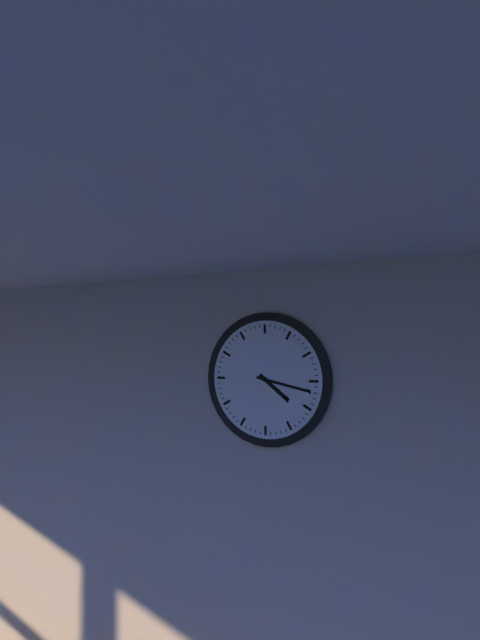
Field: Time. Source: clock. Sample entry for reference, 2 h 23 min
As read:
4 h 17 min
